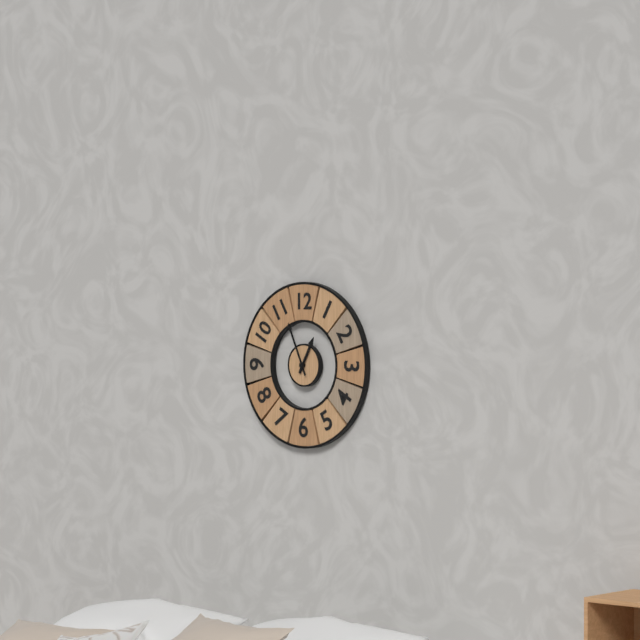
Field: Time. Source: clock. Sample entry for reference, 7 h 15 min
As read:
12 h 56 min
